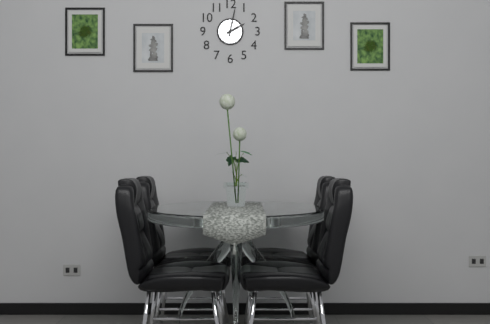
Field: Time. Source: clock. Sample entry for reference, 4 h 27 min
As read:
2 h 02 min
